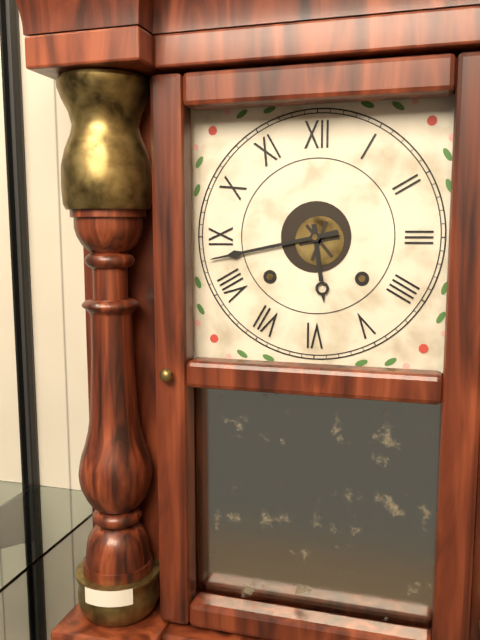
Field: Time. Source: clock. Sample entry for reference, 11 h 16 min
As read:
5 h 43 min
